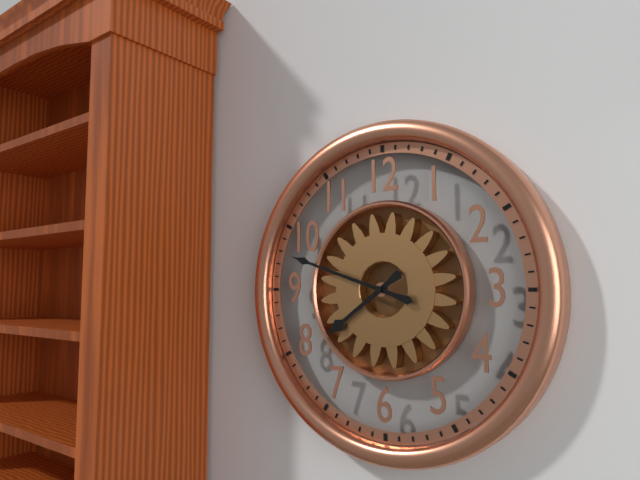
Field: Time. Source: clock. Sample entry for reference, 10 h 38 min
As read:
7 h 48 min
